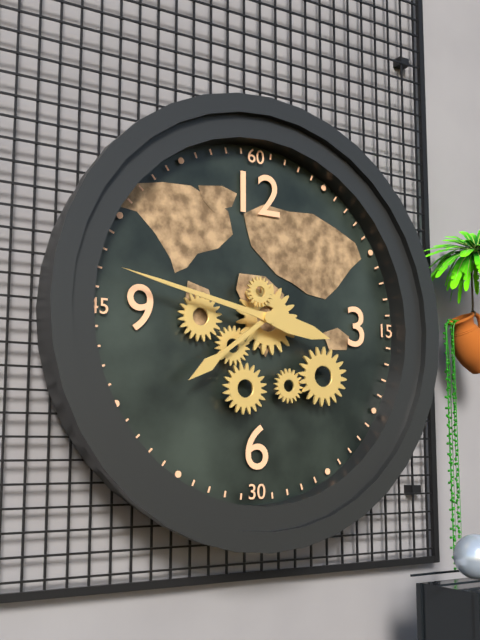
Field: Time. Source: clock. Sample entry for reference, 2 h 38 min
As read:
7 h 47 min
